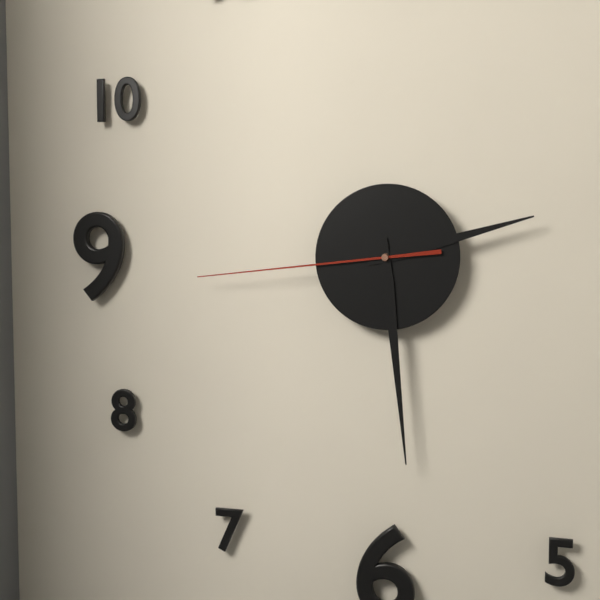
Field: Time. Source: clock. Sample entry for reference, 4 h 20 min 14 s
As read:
2 h 29 min 44 s
